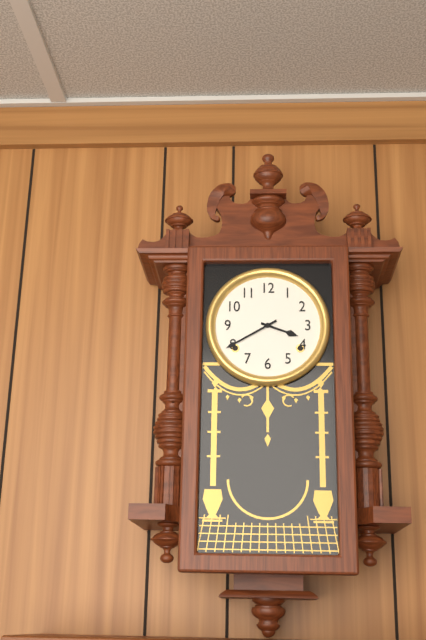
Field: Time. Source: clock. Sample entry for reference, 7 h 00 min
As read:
3 h 40 min
